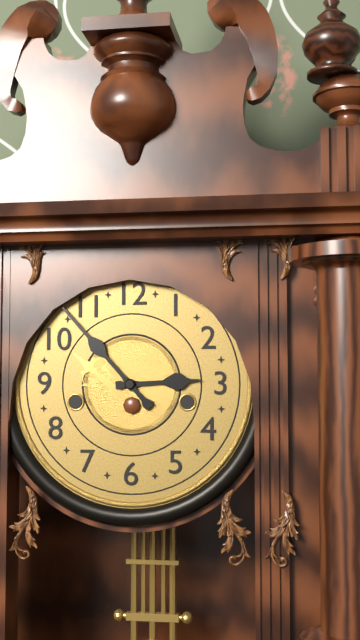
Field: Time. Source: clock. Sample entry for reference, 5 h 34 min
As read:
2 h 53 min
